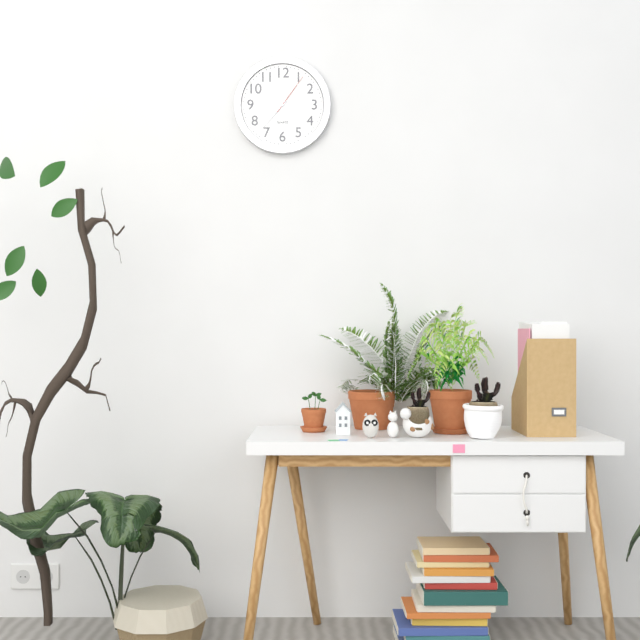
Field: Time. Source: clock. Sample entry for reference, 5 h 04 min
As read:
10 h 37 min
